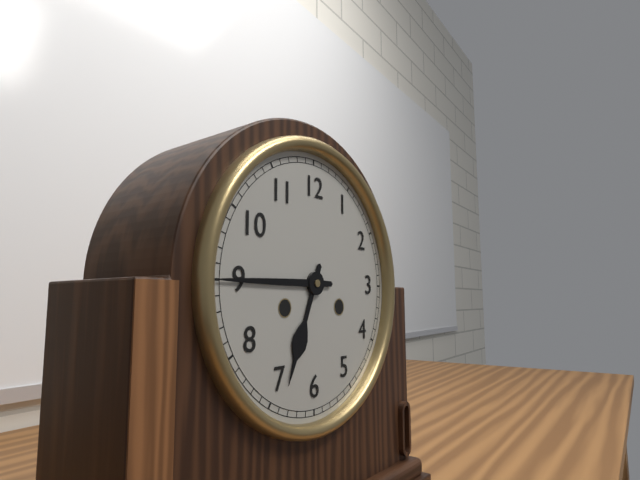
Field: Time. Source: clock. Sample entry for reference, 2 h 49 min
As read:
6 h 45 min
